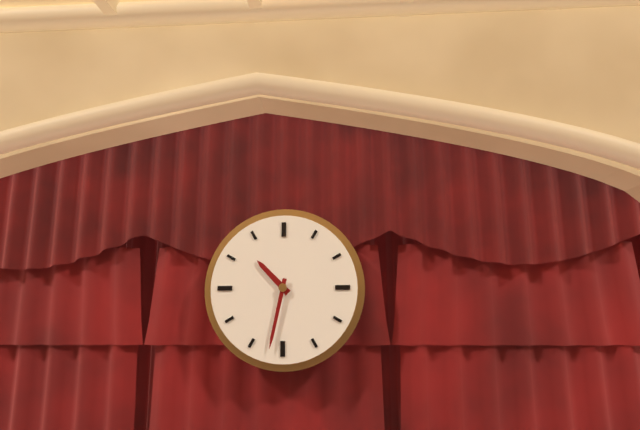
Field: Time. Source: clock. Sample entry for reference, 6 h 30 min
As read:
10 h 32 min
